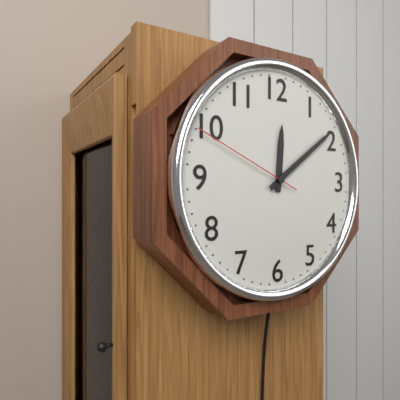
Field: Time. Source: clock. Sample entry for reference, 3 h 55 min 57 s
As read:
12 h 09 min 49 s
